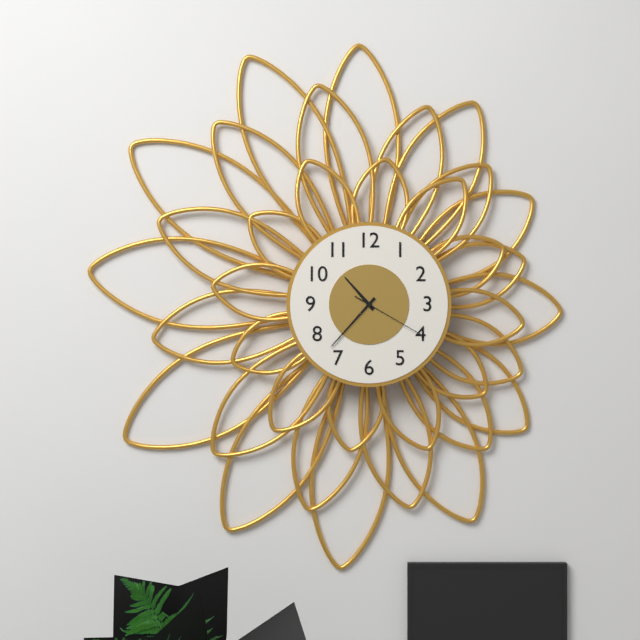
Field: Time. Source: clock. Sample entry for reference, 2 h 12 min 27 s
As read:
10 h 37 min 20 s
